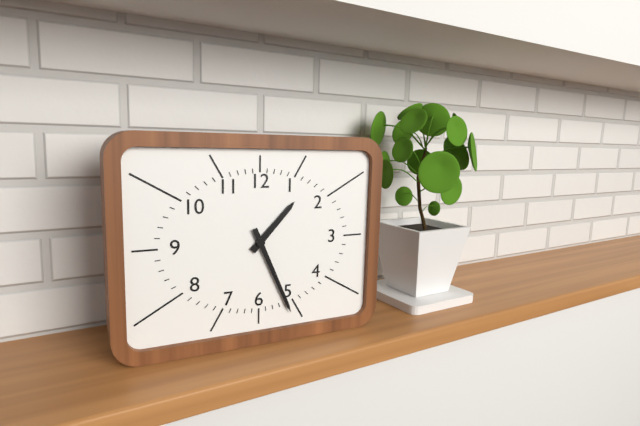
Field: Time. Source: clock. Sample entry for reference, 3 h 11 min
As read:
1 h 26 min
